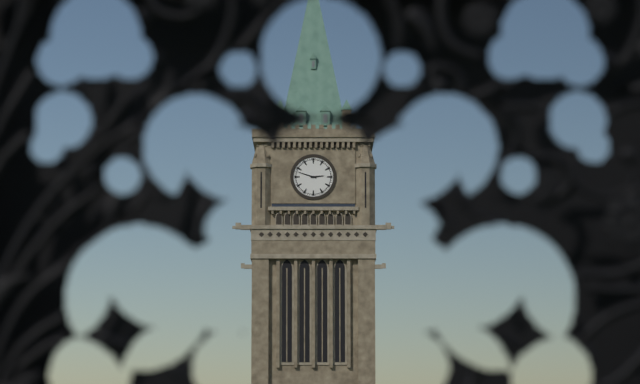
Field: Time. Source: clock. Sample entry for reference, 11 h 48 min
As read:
2 h 48 min
